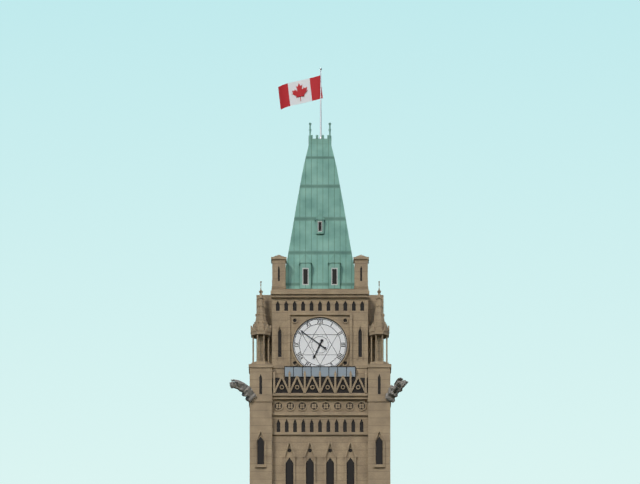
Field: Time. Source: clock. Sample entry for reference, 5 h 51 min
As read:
6 h 51 min
